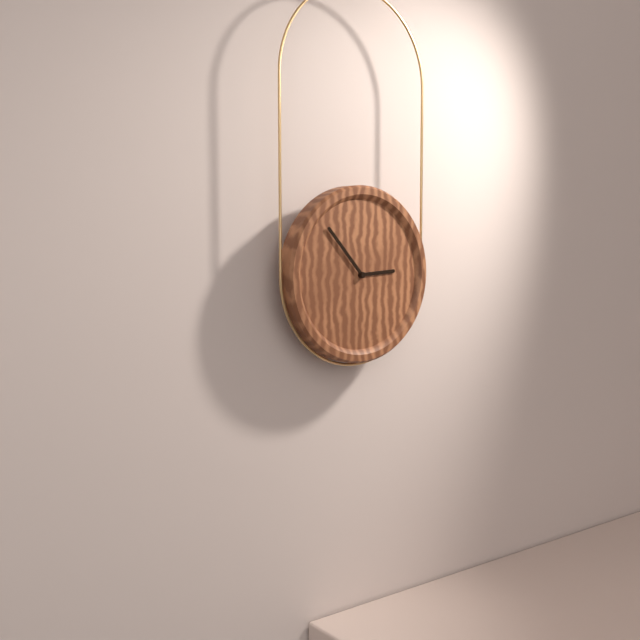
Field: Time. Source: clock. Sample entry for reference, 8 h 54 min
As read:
2 h 53 min
